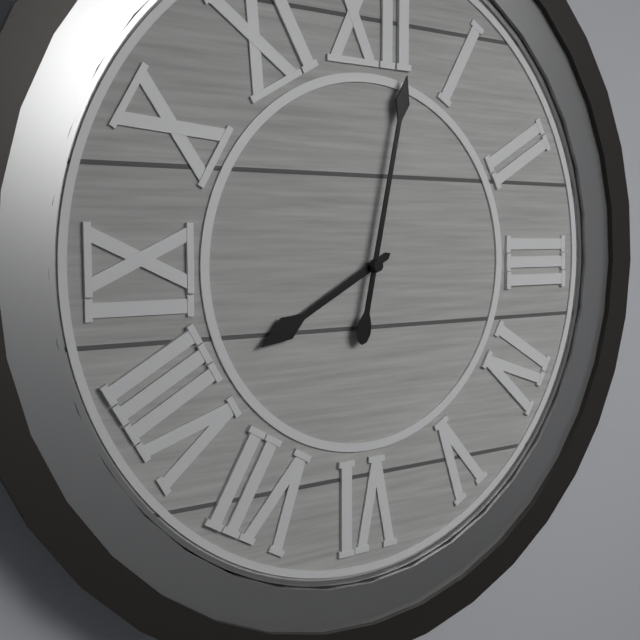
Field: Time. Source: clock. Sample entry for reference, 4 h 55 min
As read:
8 h 02 min
